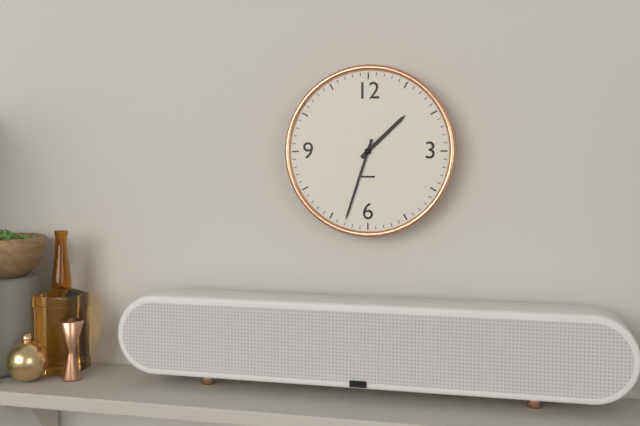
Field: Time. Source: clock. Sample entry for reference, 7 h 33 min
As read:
1 h 33 min
